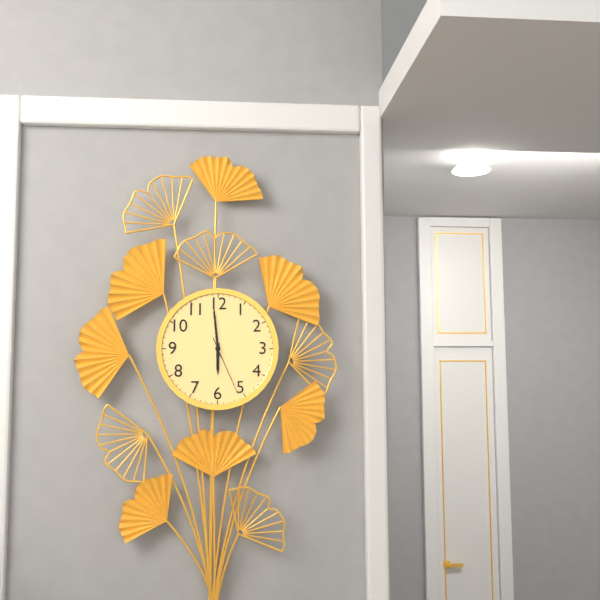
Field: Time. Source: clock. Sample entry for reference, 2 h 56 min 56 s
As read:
5 h 59 min 26 s
